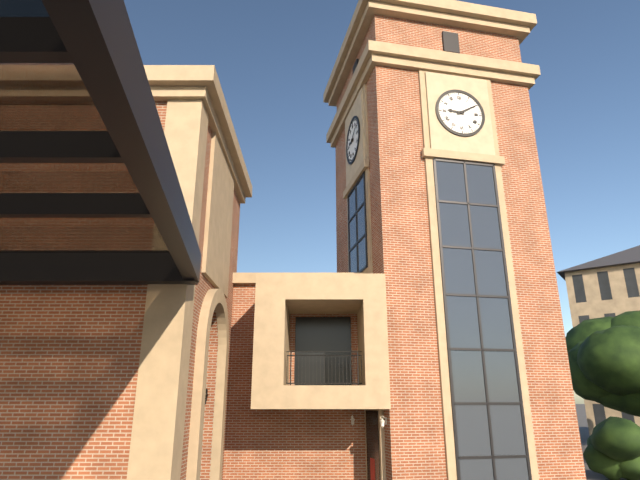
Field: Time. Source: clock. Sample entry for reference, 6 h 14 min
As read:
9 h 10 min
